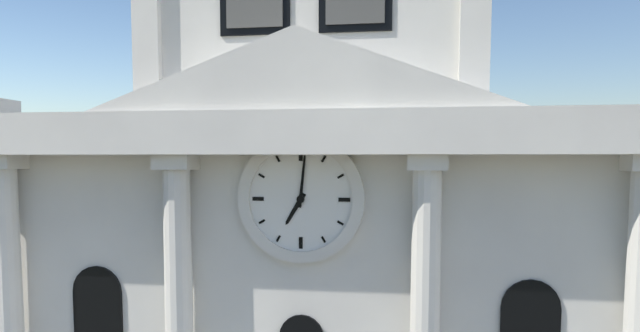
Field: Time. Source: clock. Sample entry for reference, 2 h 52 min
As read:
7 h 01 min
